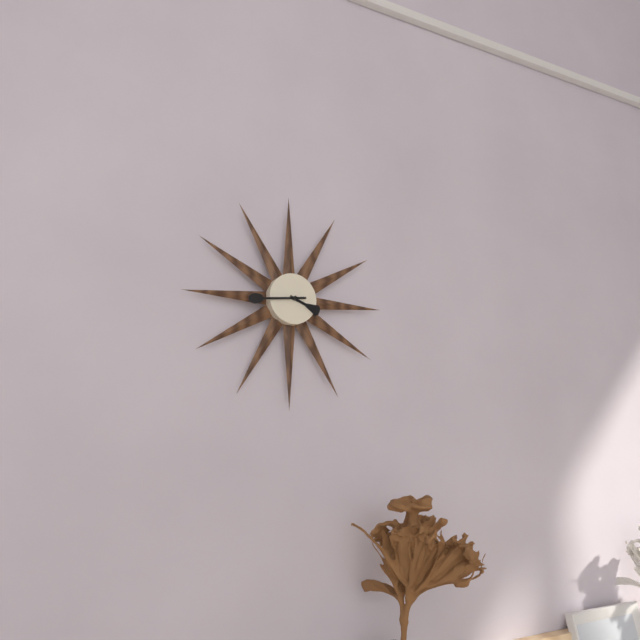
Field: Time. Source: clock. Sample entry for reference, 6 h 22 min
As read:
3 h 44 min
